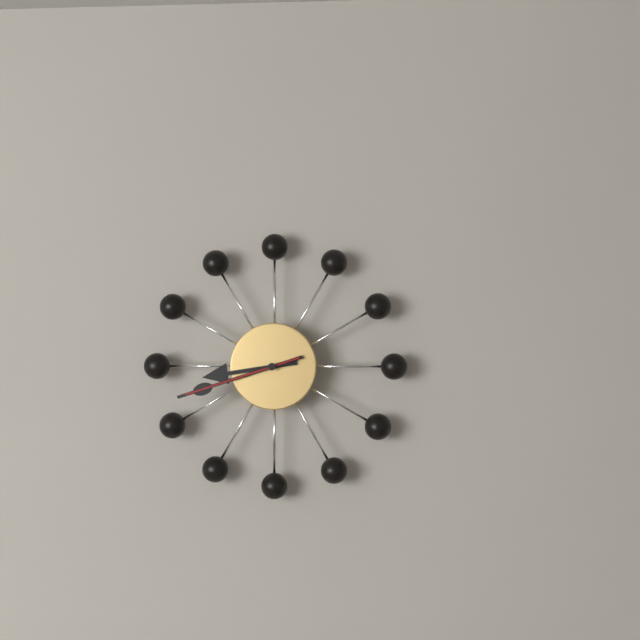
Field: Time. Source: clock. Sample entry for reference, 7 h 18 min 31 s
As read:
8 h 42 min 42 s
